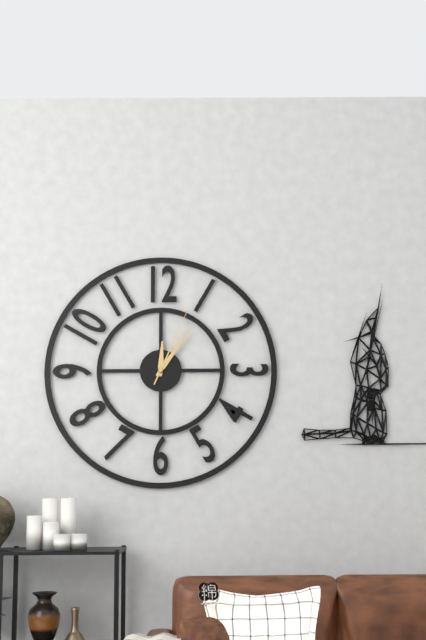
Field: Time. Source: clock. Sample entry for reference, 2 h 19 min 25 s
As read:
12 h 06 min 04 s
